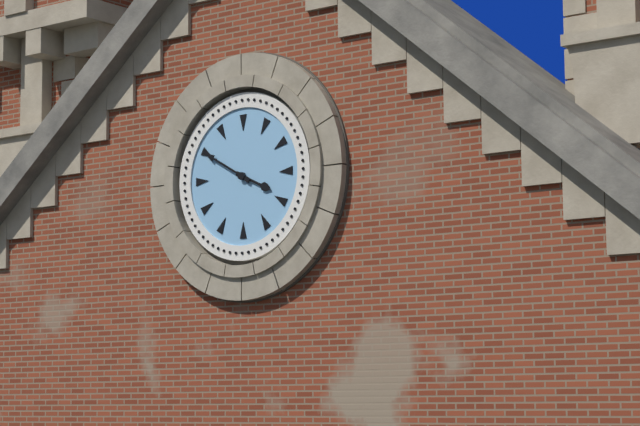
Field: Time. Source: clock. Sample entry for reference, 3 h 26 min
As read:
3 h 50 min
